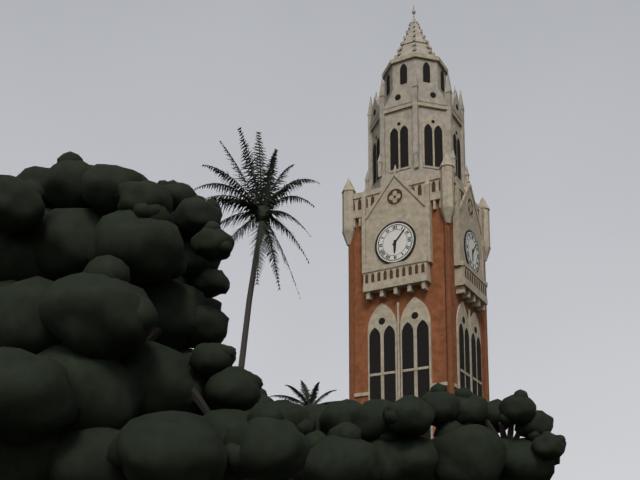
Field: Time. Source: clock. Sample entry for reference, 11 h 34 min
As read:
6 h 07 min
